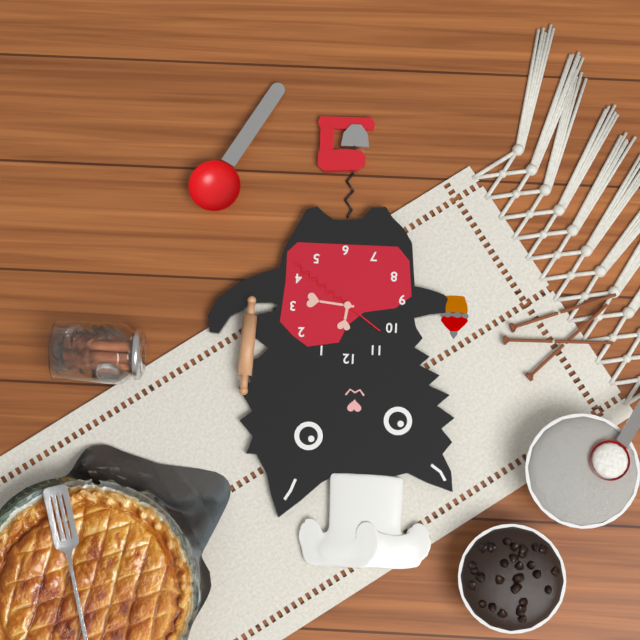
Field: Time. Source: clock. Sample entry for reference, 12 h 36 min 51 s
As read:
12 h 16 min 21 s
